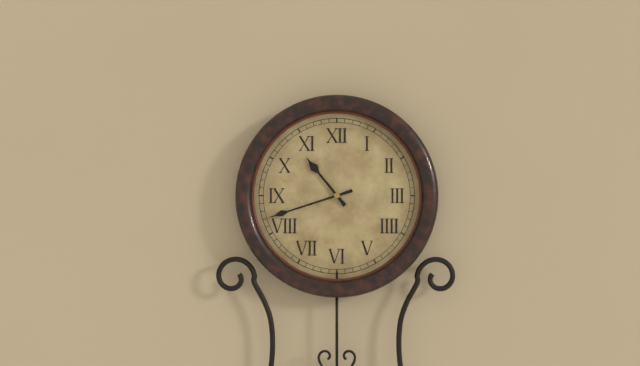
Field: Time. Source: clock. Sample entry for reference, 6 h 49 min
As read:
10 h 42 min
